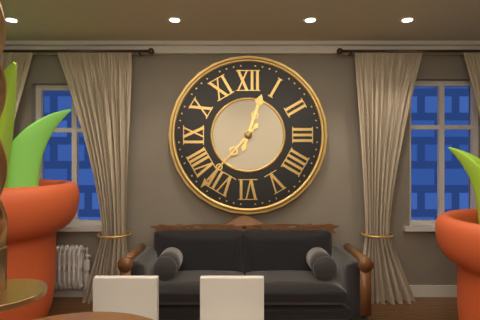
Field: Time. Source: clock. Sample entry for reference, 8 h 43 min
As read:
12 h 37 min
